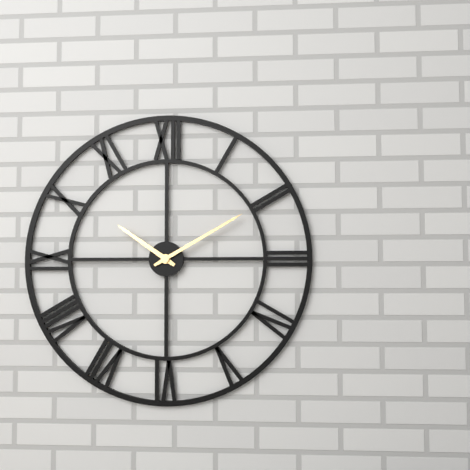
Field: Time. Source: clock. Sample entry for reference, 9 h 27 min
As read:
10 h 10 min
